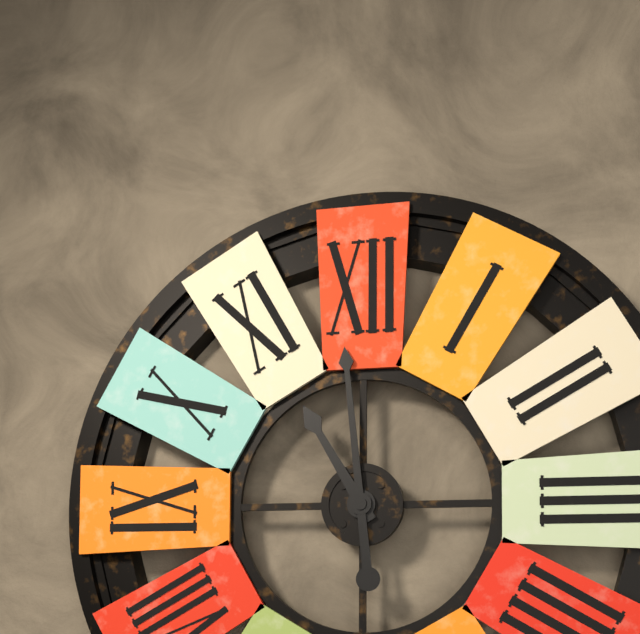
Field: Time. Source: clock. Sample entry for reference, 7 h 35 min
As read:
10 h 59 min
